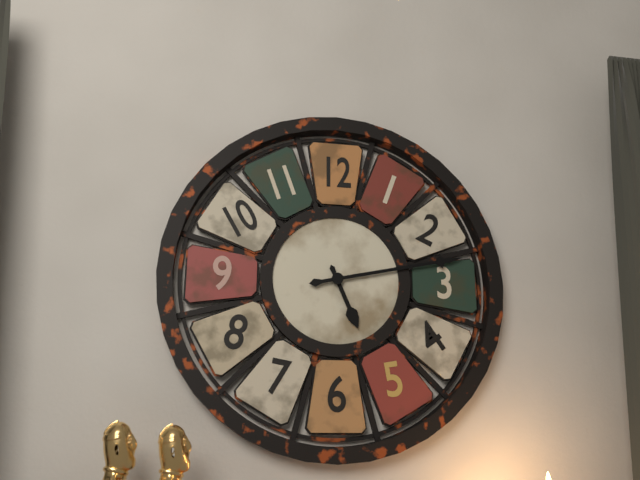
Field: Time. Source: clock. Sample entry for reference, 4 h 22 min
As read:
5 h 13 min
